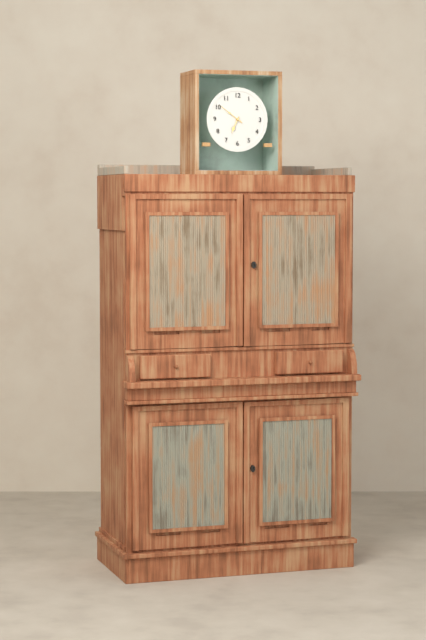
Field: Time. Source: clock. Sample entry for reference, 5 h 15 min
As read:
6 h 51 min
